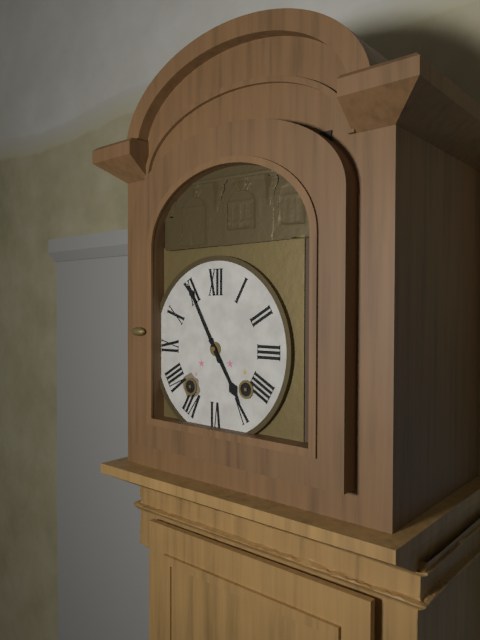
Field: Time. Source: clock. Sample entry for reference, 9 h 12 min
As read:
4 h 55 min
